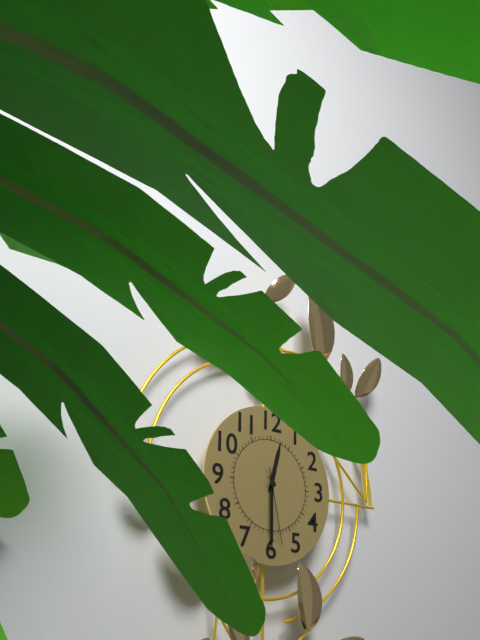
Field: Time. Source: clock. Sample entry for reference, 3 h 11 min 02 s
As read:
12 h 30 min 28 s
